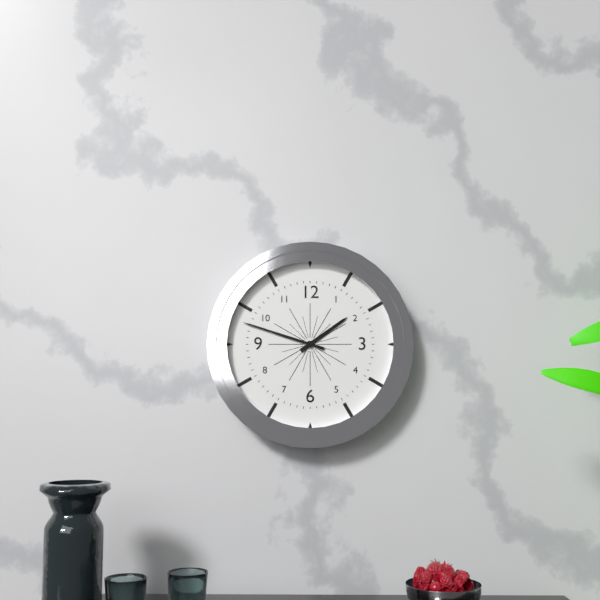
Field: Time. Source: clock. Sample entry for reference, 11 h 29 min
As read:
1 h 48 min
